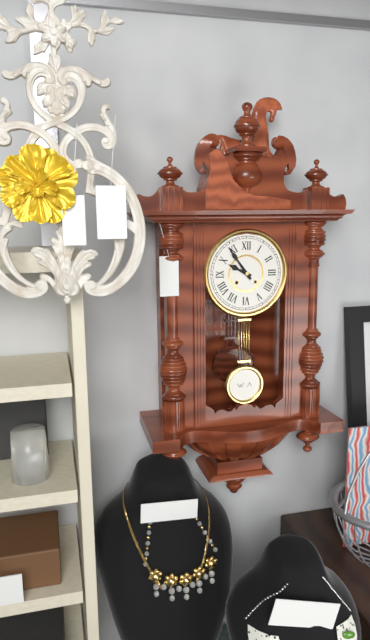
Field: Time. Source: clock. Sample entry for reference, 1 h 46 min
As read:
9 h 54 min
